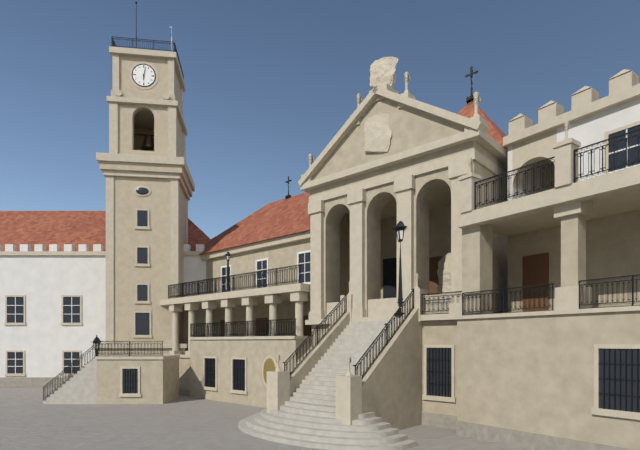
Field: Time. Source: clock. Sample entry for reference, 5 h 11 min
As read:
6 h 02 min
